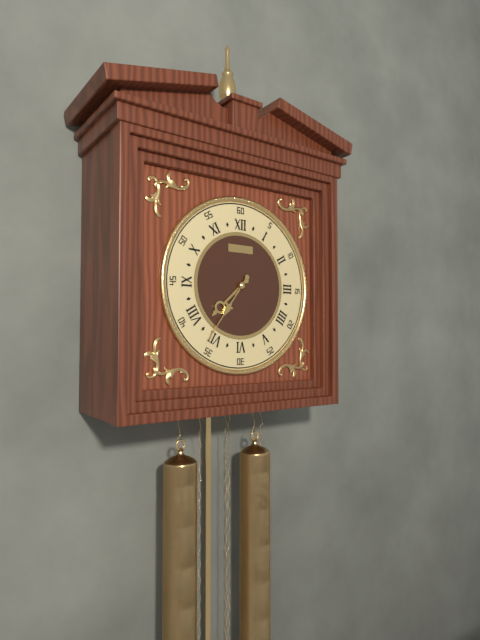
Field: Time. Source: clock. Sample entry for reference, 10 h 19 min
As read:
7 h 36 min
